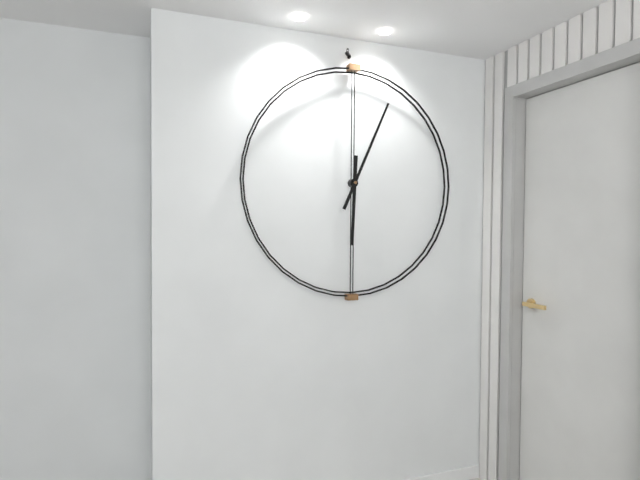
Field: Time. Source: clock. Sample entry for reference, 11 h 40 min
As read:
6 h 04 min
